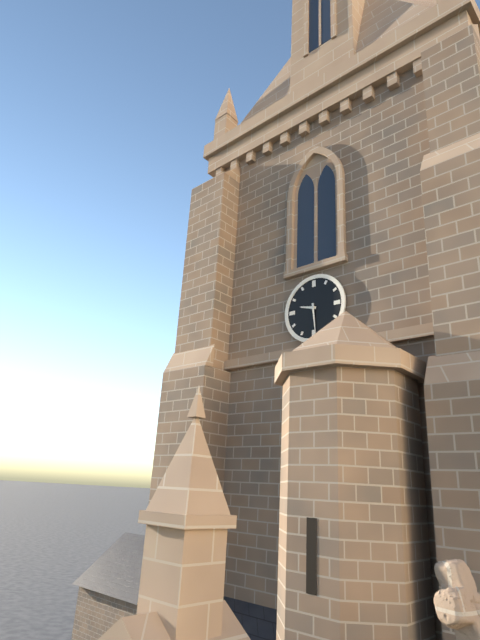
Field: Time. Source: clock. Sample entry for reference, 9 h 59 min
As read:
9 h 29 min
